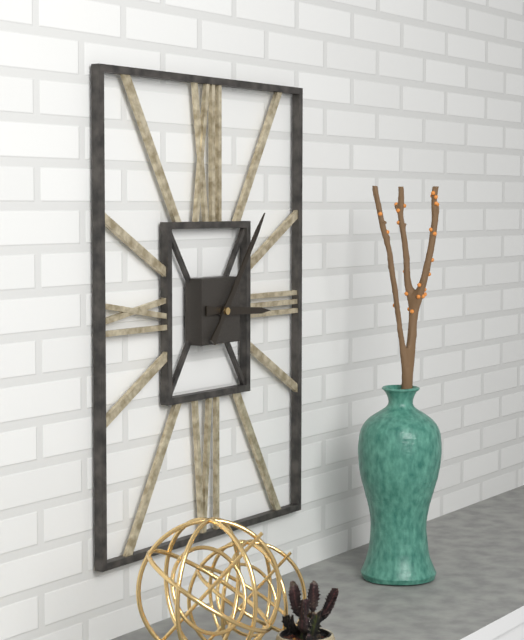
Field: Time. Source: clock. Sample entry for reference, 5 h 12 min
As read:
3 h 06 min
